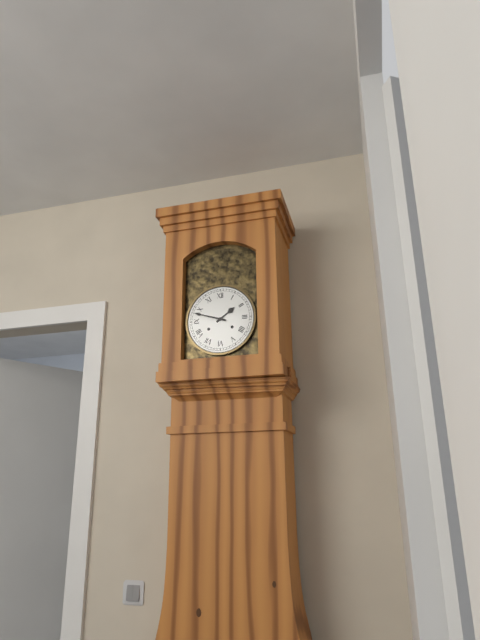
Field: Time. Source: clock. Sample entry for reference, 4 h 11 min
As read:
1 h 48 min
